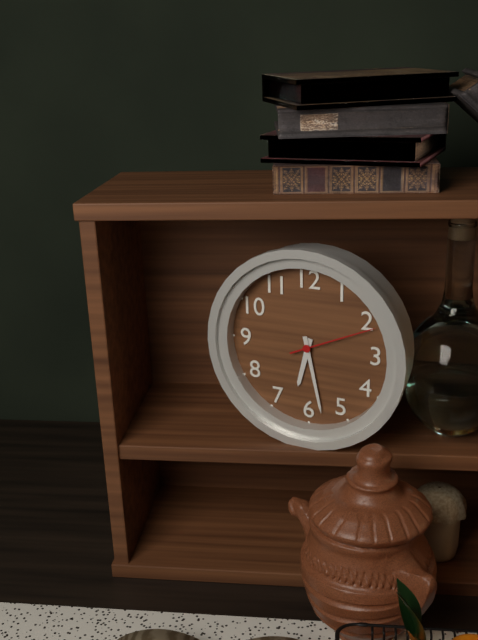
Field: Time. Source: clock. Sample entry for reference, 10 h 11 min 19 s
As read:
6 h 28 min 11 s
